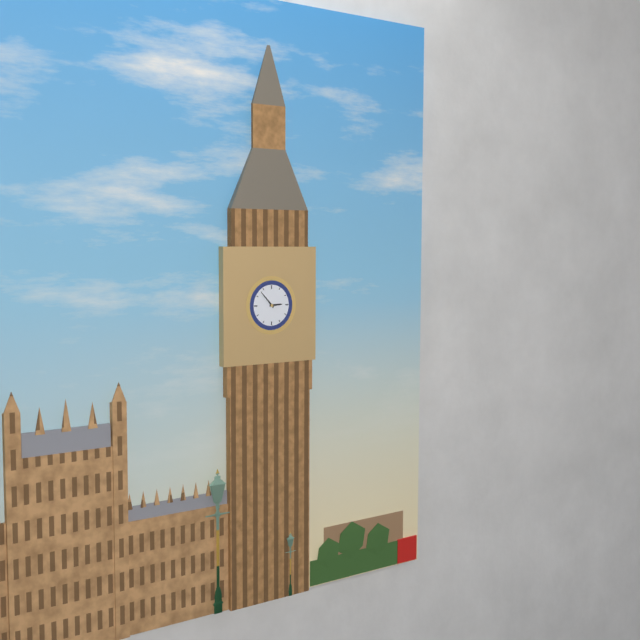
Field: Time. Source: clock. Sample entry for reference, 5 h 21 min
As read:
2 h 53 min
